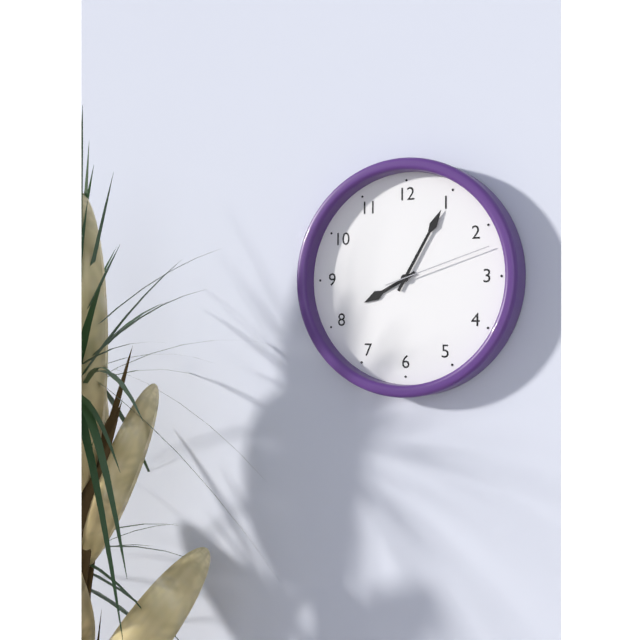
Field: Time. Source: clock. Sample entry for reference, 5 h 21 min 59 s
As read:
8 h 05 min 12 s
